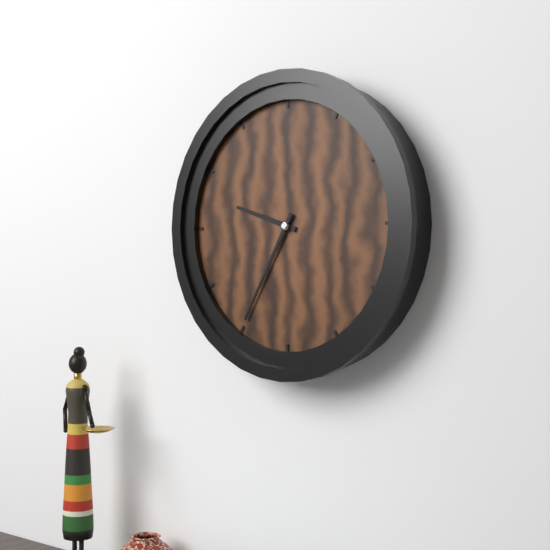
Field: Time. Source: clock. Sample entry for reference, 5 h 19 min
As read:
9 h 35 min
